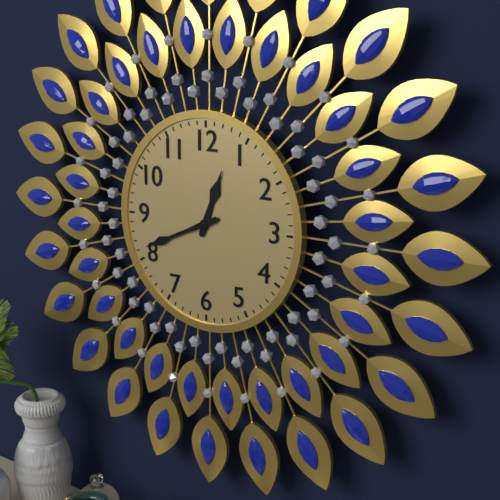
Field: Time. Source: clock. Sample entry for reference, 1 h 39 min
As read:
12 h 41 min
